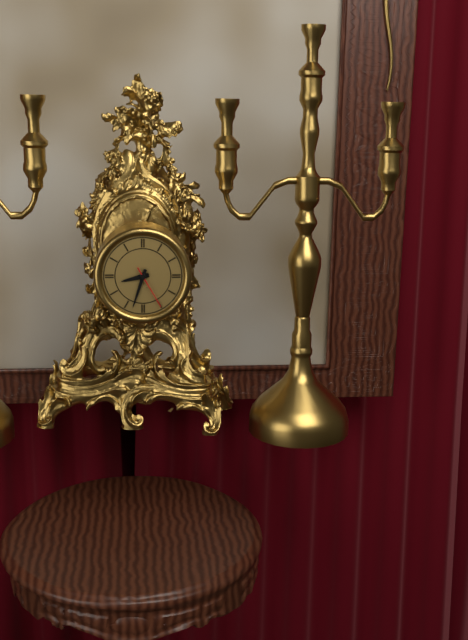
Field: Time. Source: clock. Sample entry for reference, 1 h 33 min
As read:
8 h 33 min
